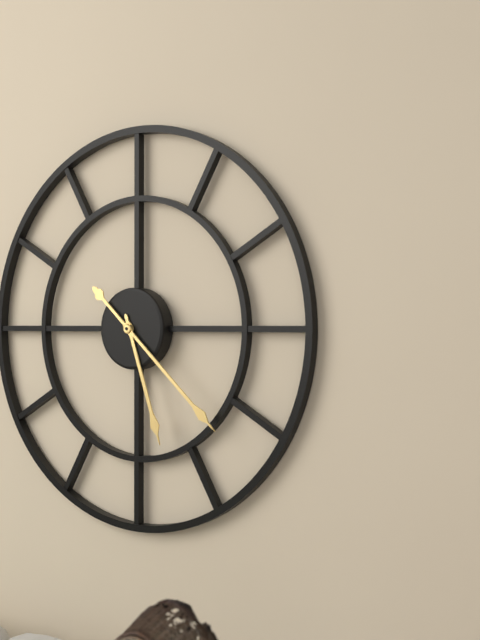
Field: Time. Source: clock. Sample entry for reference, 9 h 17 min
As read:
5 h 22 min
